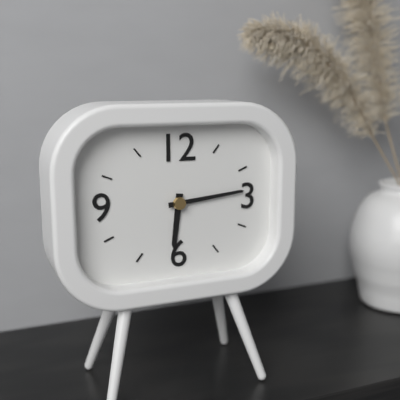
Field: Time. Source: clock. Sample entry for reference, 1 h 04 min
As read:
6 h 14 min
